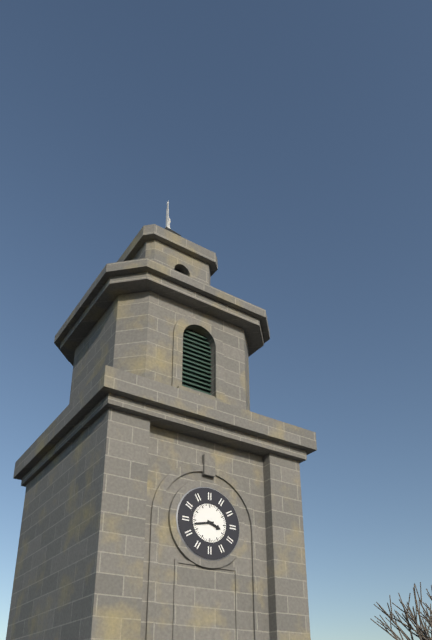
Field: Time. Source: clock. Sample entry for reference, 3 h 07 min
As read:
3 h 43 min
